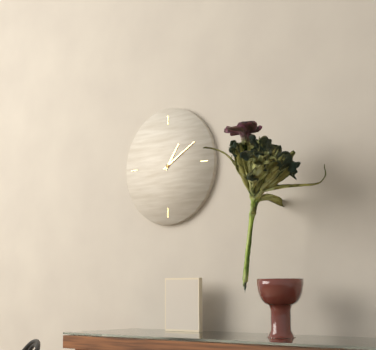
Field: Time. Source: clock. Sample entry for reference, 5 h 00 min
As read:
1 h 10 min
